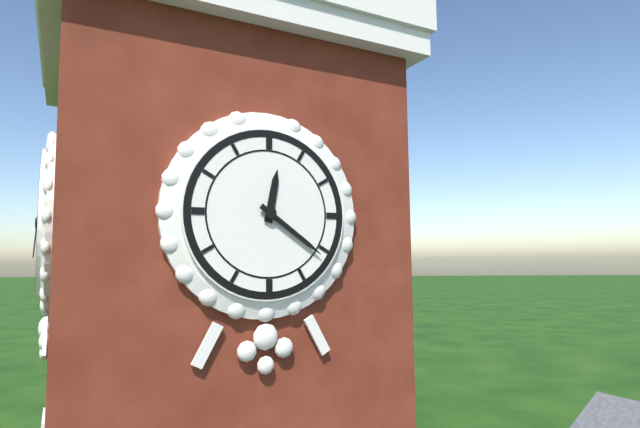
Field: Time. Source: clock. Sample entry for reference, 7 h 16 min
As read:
12 h 21 min
